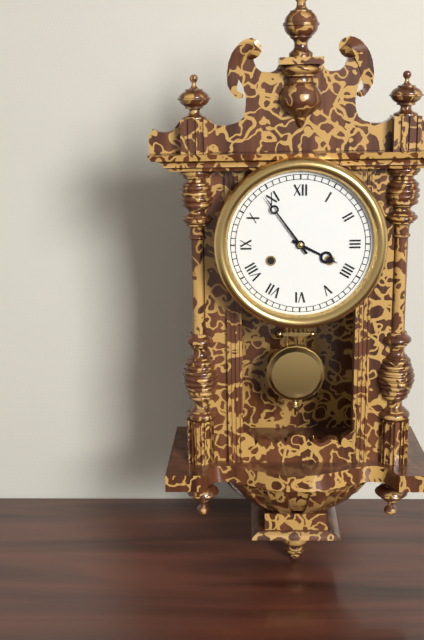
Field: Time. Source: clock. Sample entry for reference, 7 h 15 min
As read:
3 h 54 min
